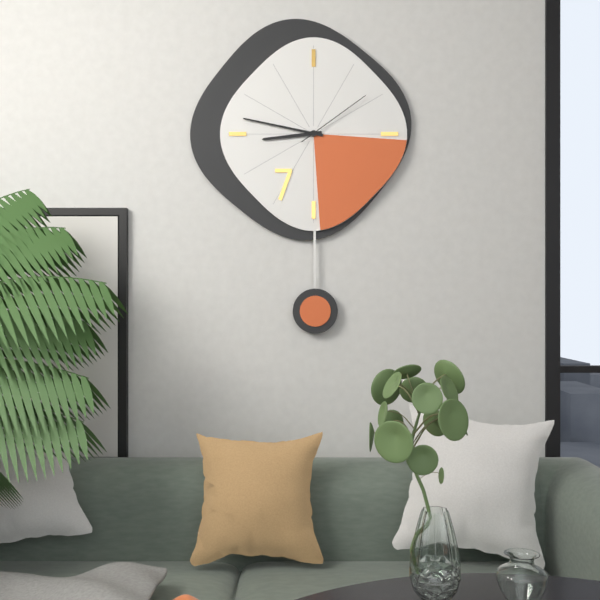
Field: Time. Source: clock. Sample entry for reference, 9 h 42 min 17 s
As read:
8 h 47 min 09 s
